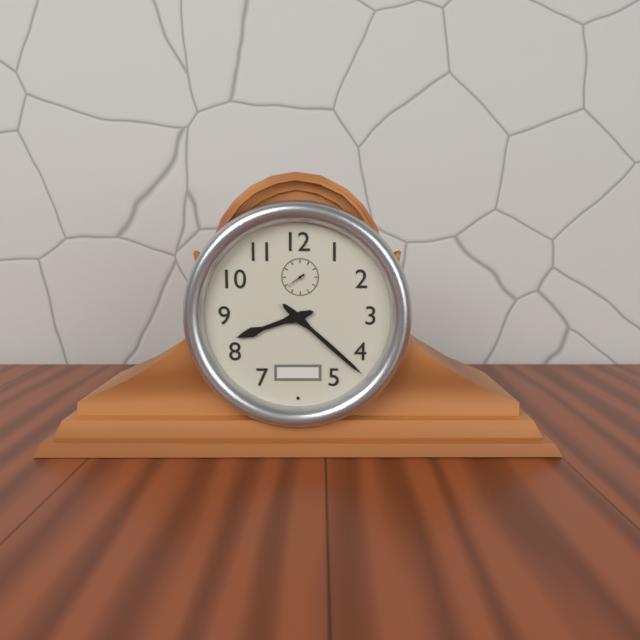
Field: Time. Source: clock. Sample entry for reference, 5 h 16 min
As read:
8 h 22 min
